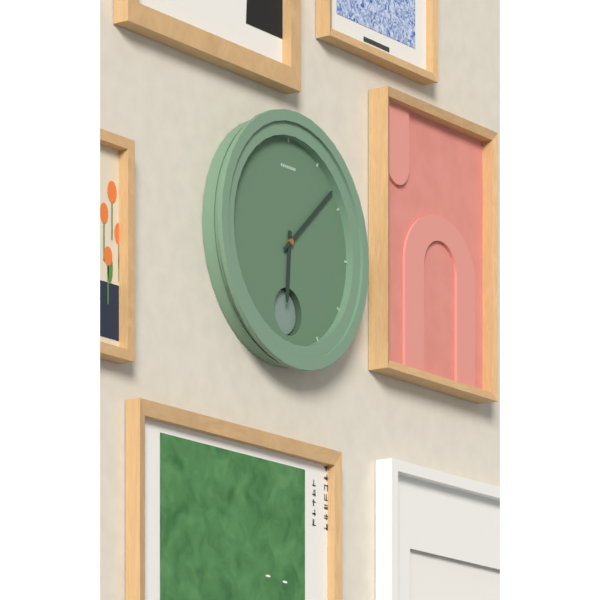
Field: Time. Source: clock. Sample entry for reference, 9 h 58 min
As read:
6 h 08 min
